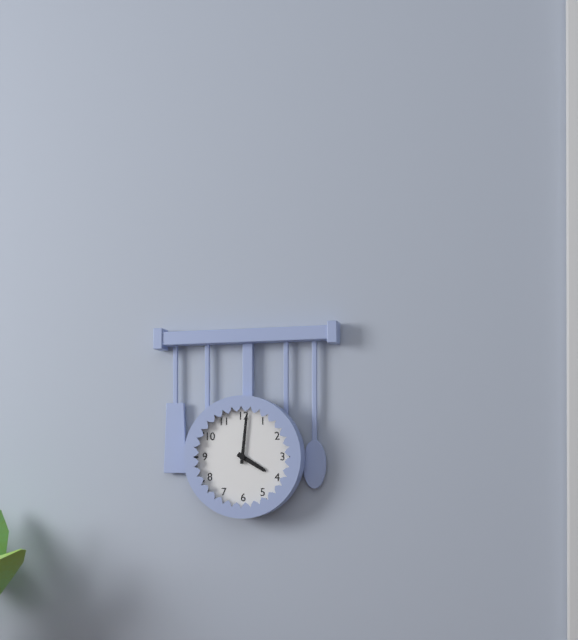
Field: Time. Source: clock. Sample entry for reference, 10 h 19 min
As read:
4 h 01 min
